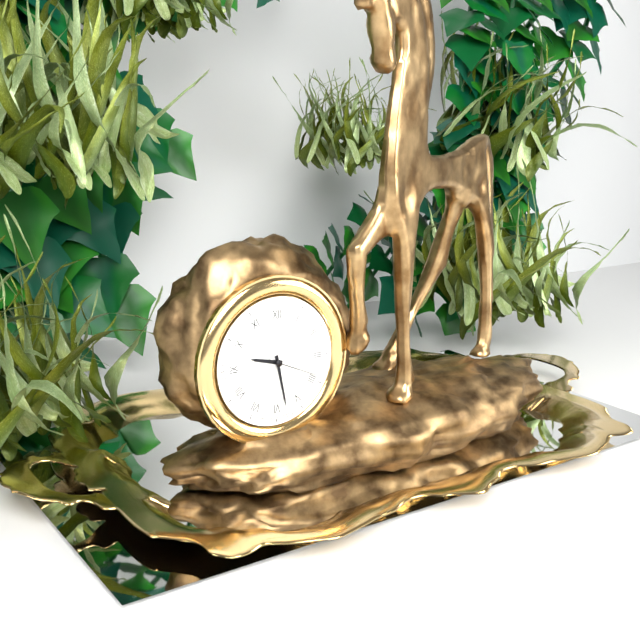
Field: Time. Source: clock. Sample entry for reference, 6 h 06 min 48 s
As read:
9 h 28 min 19 s
